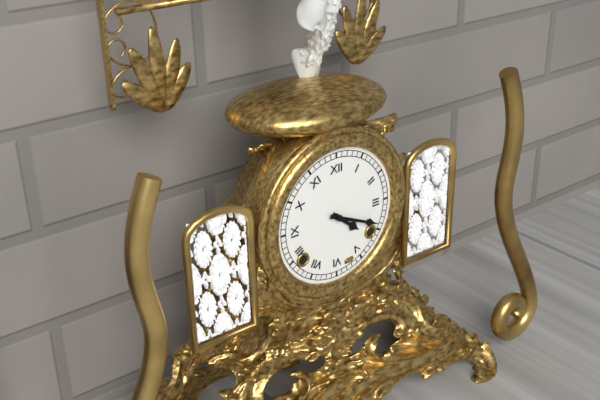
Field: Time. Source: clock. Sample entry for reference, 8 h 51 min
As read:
4 h 19 min
